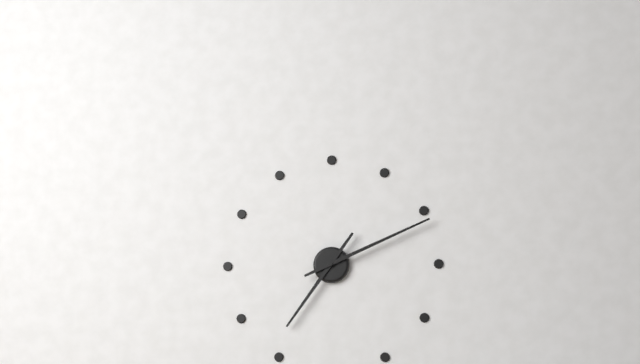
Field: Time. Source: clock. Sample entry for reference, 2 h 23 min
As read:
7 h 11 min
